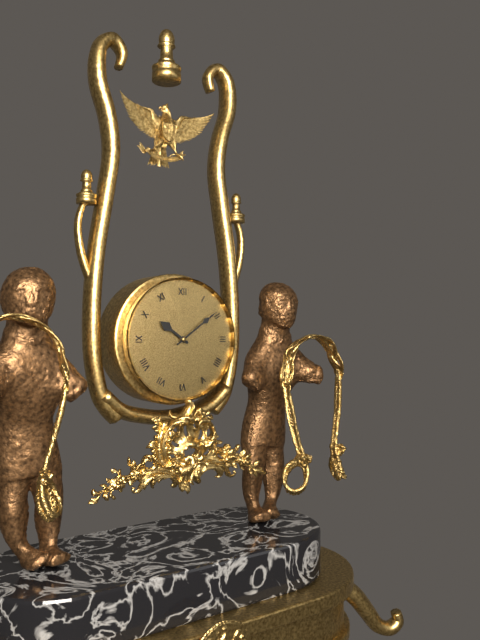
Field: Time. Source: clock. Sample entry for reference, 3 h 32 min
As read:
10 h 09 min
